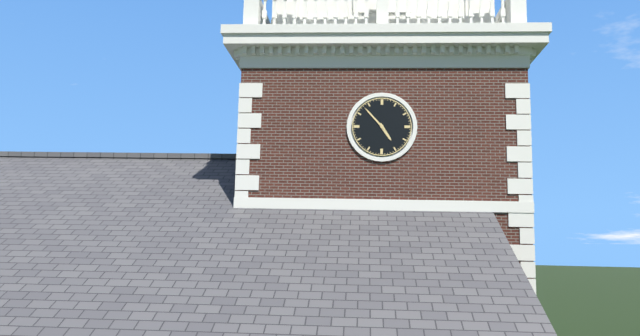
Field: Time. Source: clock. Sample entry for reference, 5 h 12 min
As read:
4 h 53 min
